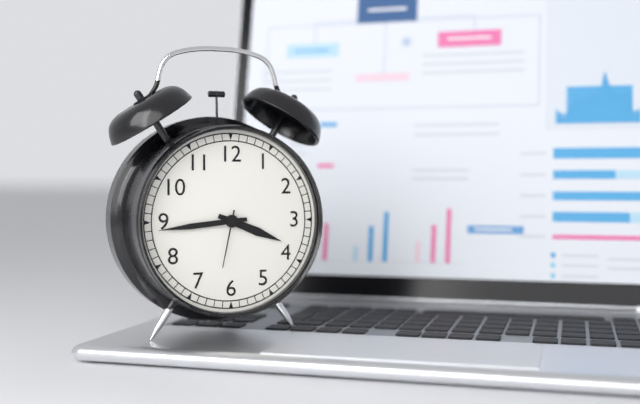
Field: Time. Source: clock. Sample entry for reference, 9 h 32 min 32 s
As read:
3 h 44 min 32 s
